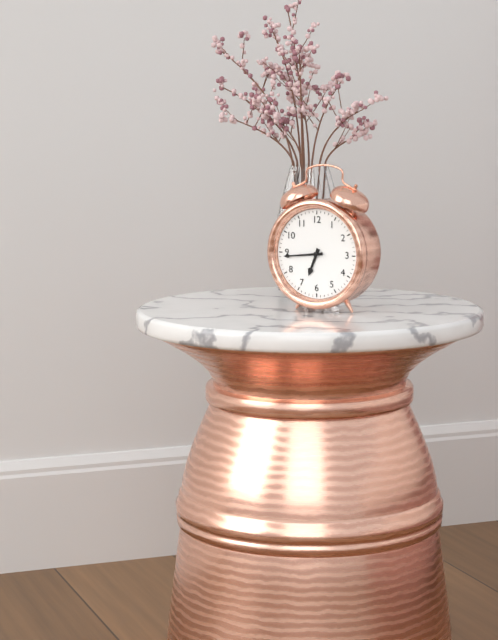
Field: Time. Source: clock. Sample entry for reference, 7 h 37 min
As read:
6 h 44 min
